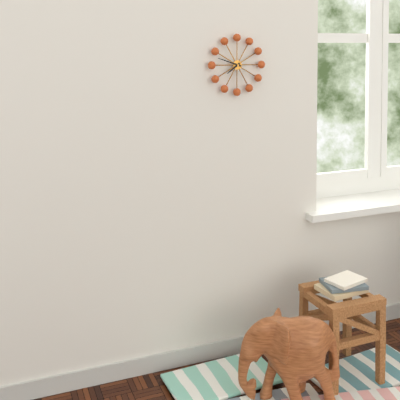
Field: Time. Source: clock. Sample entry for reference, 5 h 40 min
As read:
7 h 48 min
